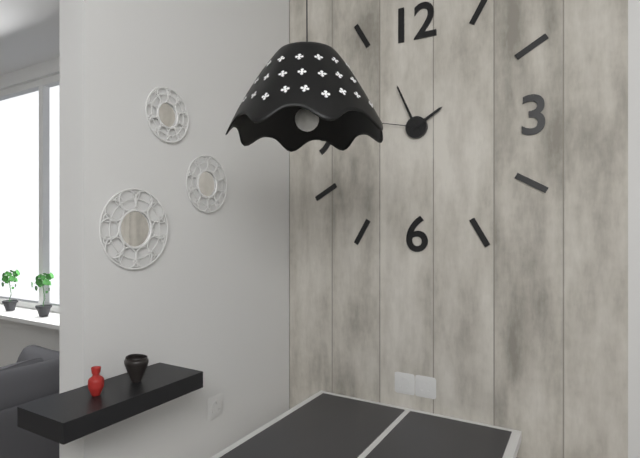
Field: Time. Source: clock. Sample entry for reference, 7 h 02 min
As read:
1 h 56 min
